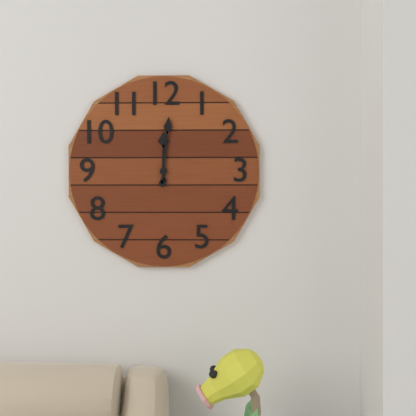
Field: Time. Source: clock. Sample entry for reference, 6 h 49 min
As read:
12 h 01 min
